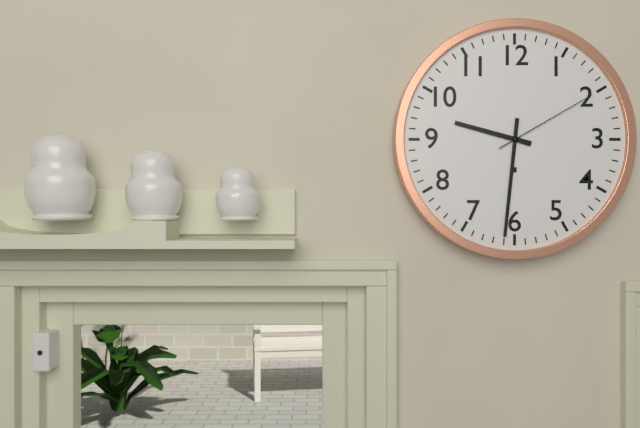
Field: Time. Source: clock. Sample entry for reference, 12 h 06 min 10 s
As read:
9 h 31 min 10 s
